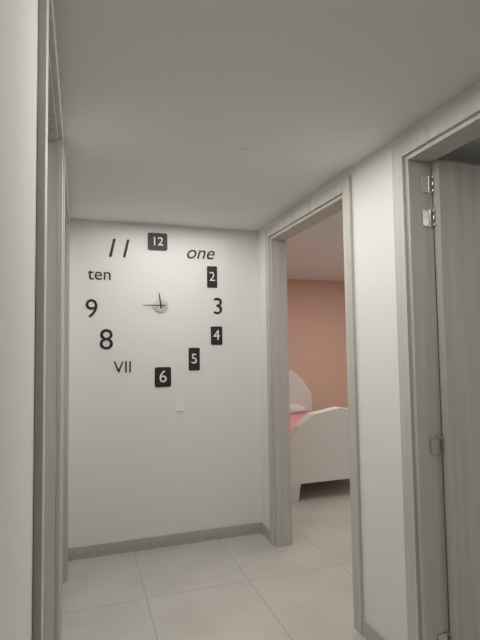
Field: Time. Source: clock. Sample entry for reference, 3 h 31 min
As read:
11 h 45 min
